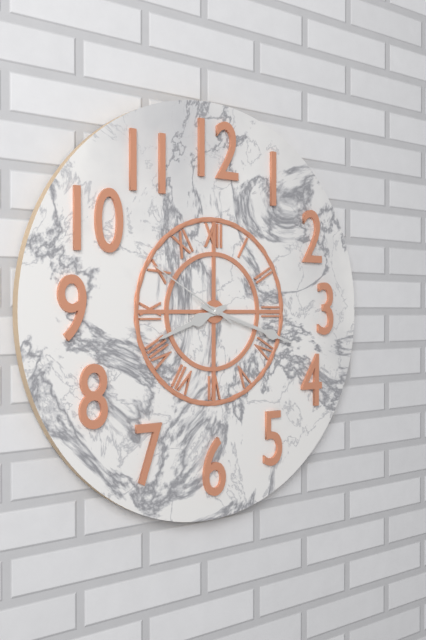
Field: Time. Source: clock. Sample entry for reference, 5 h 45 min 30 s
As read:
8 h 18 min 50 s
